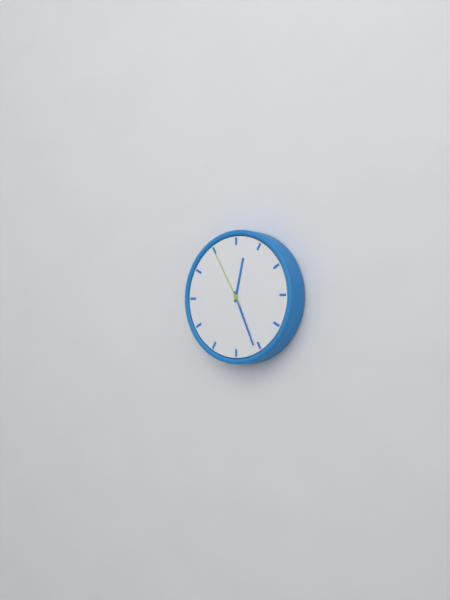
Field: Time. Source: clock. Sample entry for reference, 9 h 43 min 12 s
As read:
12 h 26 min 55 s
